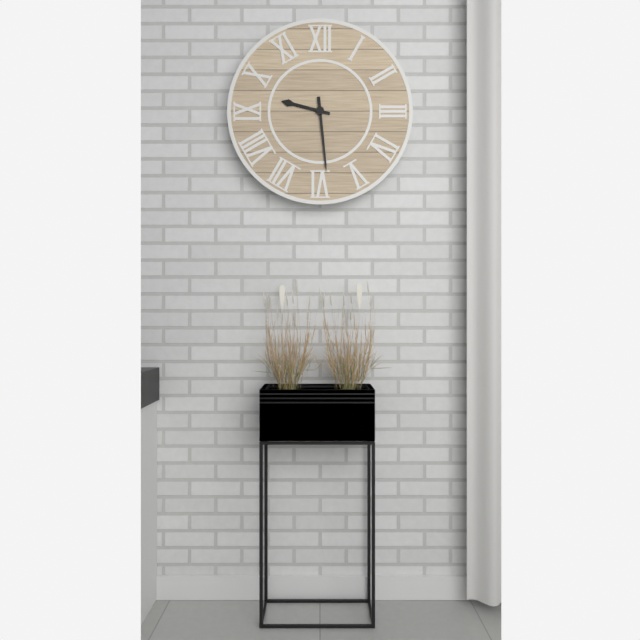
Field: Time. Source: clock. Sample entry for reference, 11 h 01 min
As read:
9 h 29 min
